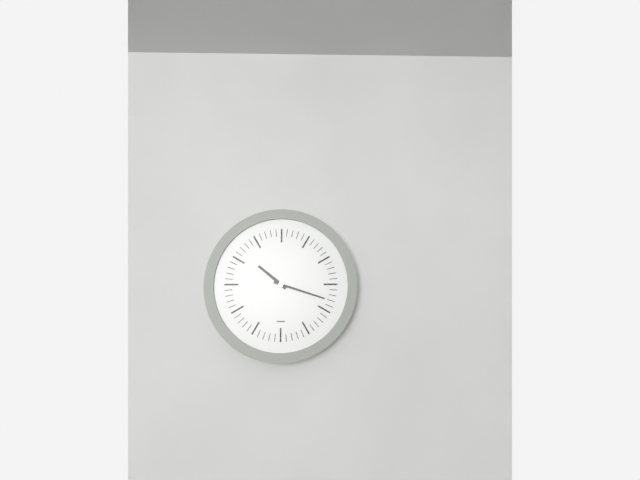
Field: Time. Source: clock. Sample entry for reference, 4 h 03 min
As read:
10 h 18 min
